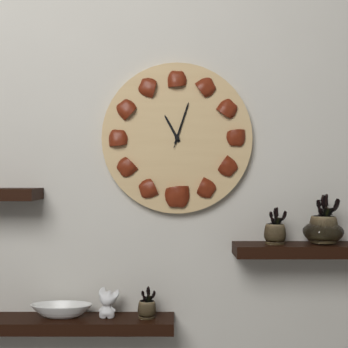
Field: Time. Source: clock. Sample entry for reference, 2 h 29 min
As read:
11 h 03 min
